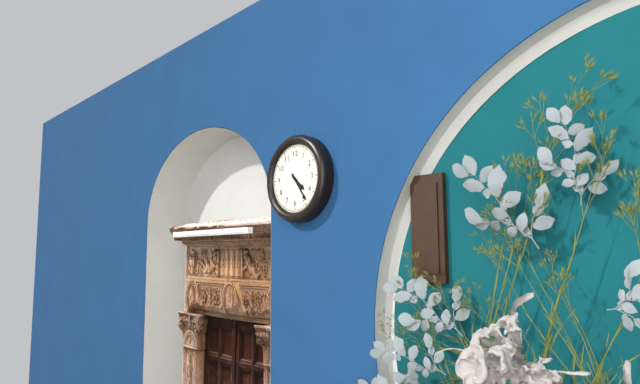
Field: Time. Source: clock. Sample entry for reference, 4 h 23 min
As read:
4 h 24 min
